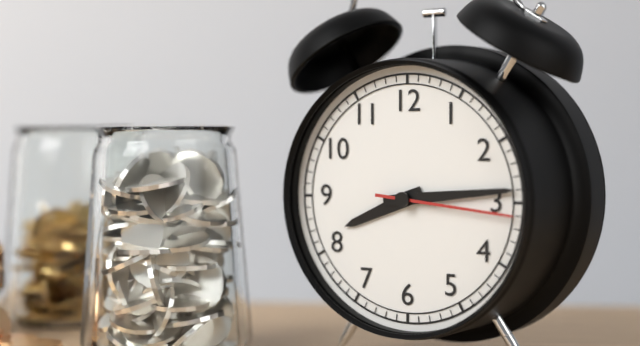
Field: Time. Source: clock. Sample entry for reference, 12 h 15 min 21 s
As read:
8 h 14 min 16 s
